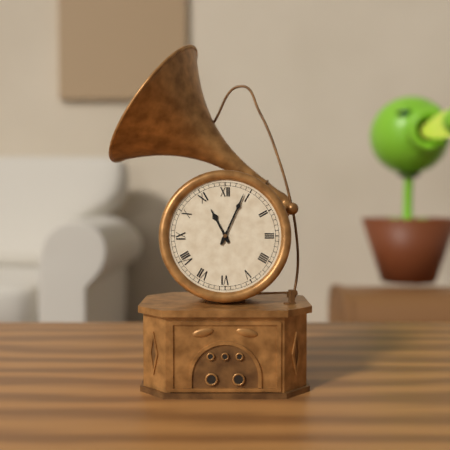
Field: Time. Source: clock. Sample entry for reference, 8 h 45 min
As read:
11 h 04 min
